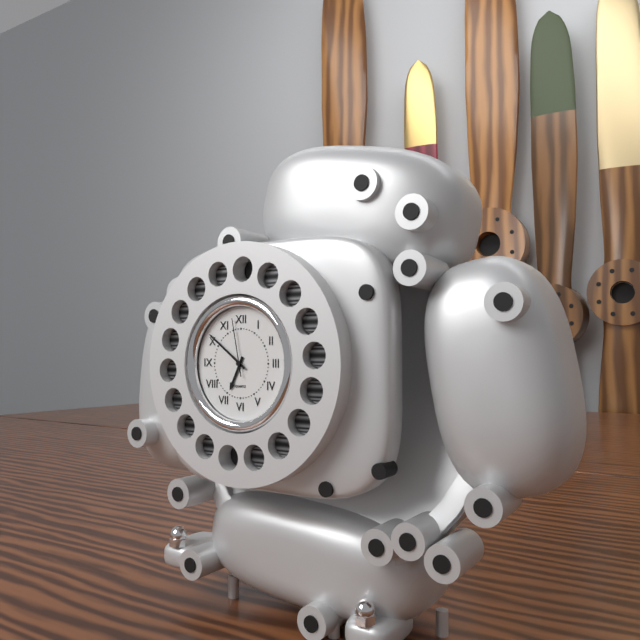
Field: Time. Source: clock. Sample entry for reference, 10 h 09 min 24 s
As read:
6 h 51 min 58 s
